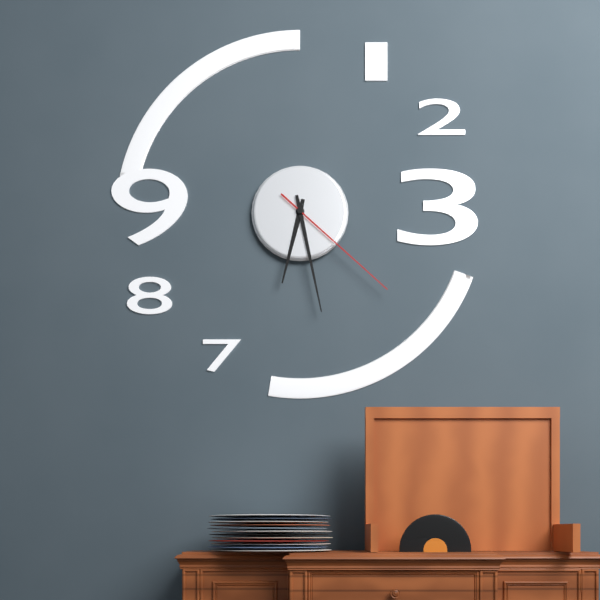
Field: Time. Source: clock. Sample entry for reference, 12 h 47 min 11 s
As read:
6 h 28 min 22 s
